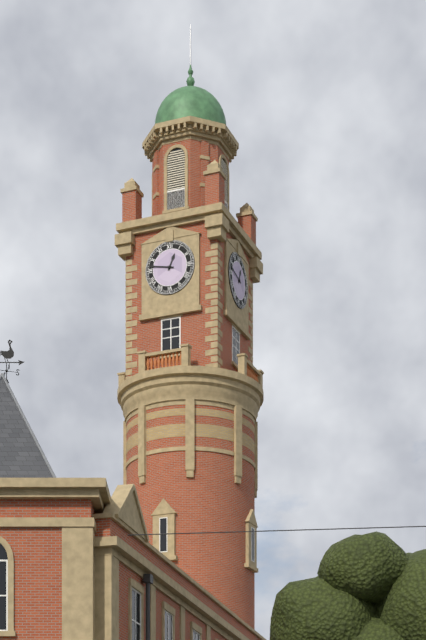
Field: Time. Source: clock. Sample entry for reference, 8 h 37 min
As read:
12 h 47 min
